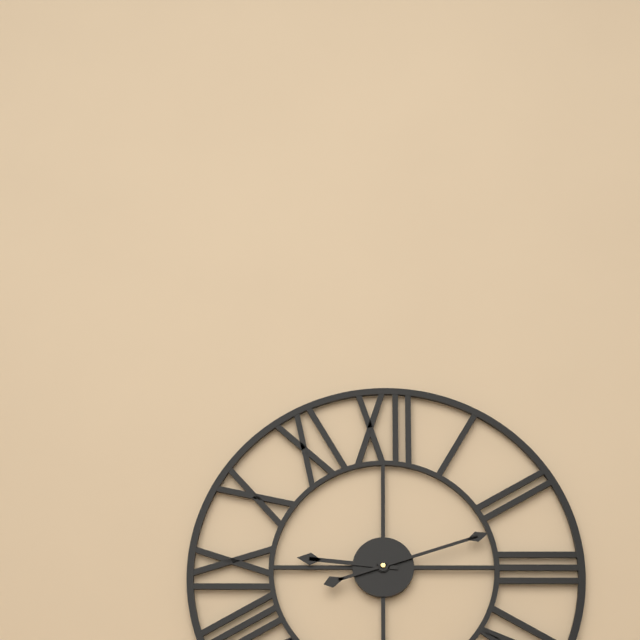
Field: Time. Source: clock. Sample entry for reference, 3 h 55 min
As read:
9 h 12 min
